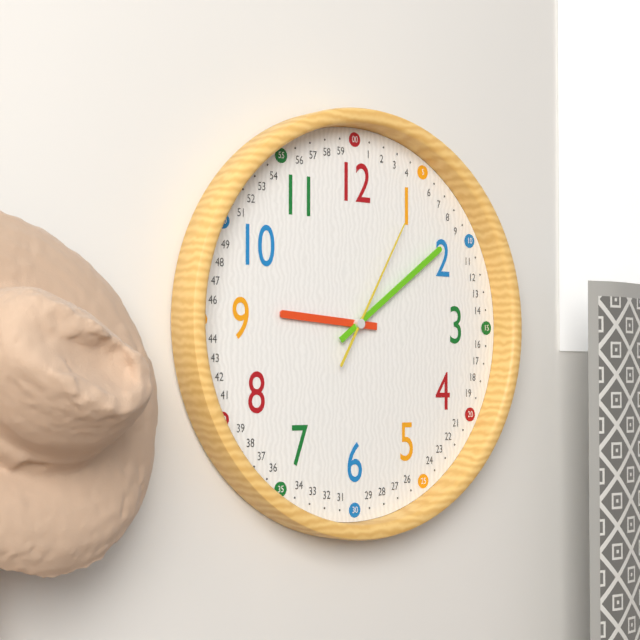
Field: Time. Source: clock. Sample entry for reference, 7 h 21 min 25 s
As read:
9 h 09 min 05 s
